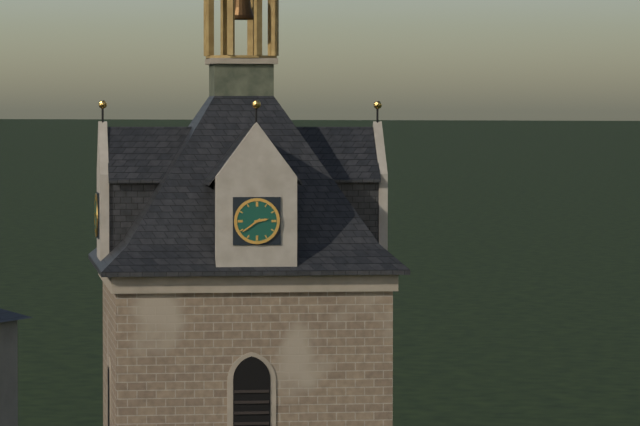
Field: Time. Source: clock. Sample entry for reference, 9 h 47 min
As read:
2 h 39 min
